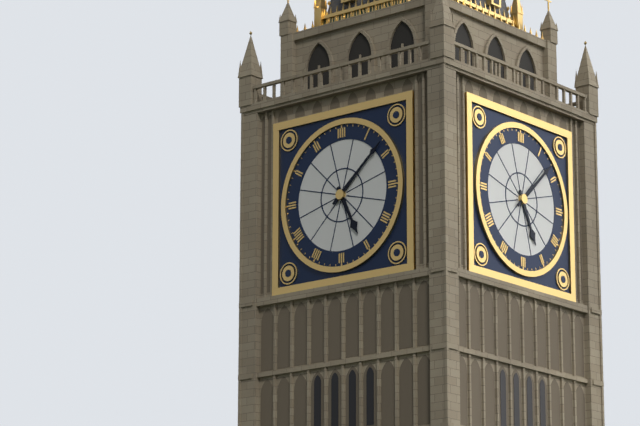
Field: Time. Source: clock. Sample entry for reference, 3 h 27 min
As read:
5 h 08 min
